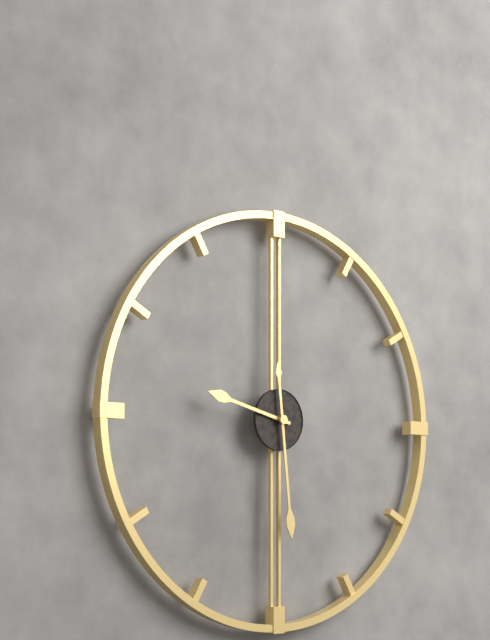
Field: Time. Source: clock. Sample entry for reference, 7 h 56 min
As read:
9 h 29 min
